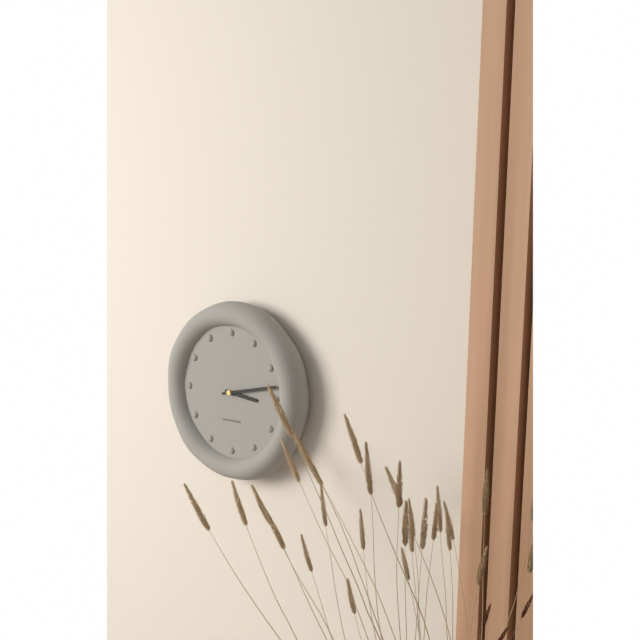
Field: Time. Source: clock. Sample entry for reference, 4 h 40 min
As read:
3 h 13 min
